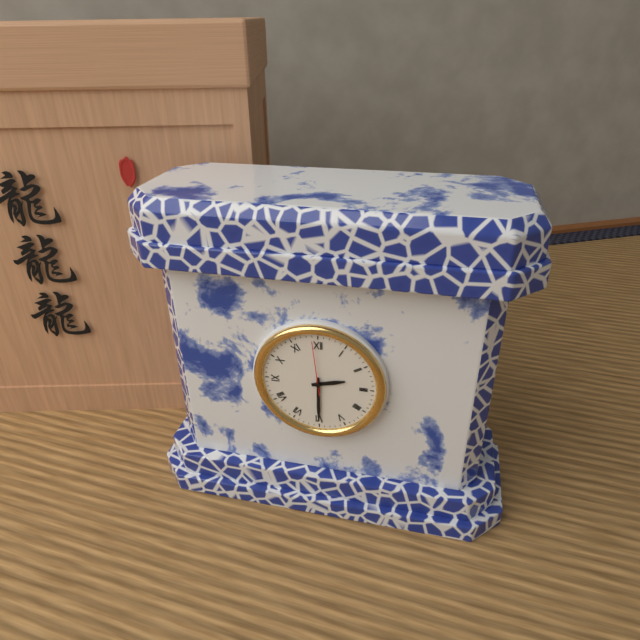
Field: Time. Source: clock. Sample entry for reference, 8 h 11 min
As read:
2 h 30 min
